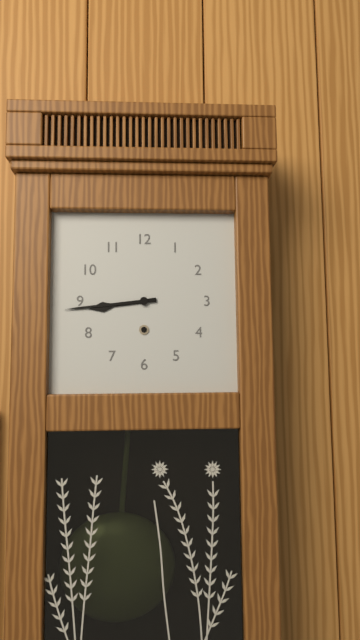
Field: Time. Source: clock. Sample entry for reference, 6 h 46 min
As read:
8 h 44 min
